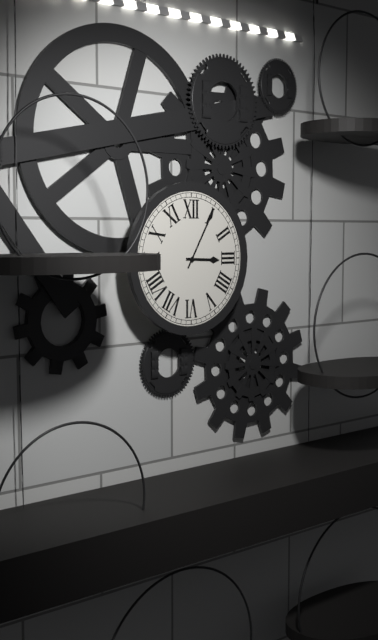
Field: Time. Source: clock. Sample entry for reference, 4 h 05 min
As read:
3 h 05 min
